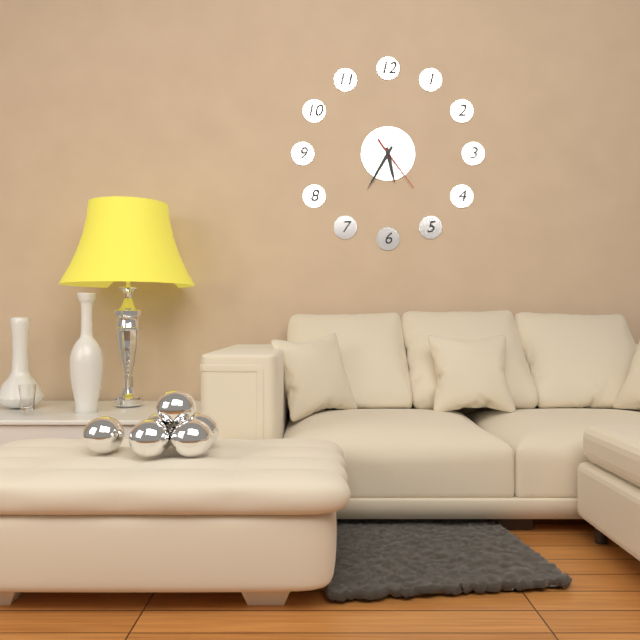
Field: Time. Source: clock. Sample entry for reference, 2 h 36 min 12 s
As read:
5 h 35 min 24 s
